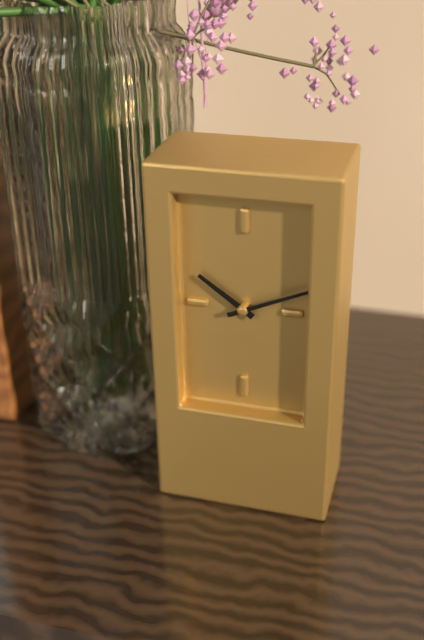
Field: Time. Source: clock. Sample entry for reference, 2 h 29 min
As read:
10 h 11 min
